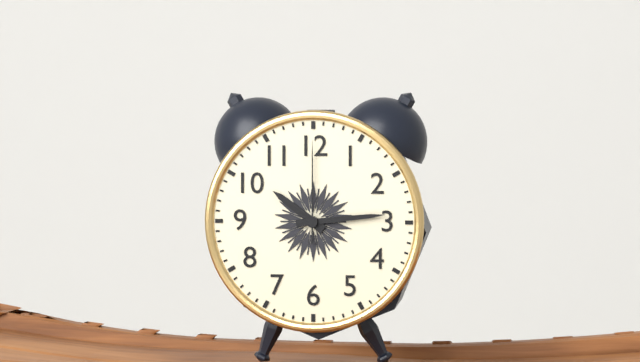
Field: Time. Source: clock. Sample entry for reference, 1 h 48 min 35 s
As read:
10 h 14 min 00 s
